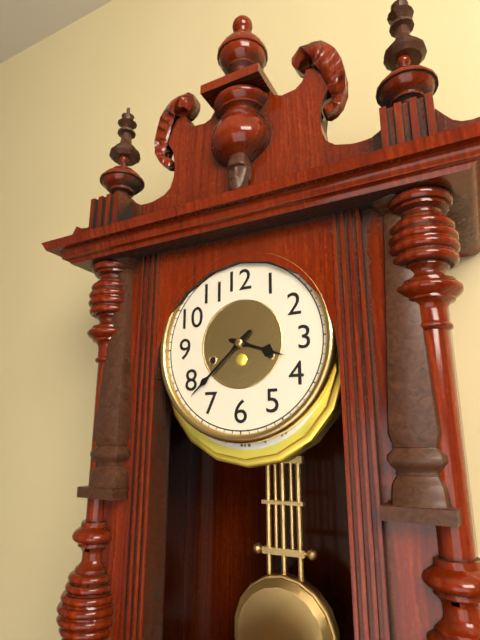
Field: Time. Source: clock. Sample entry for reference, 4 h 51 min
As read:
3 h 38 min
